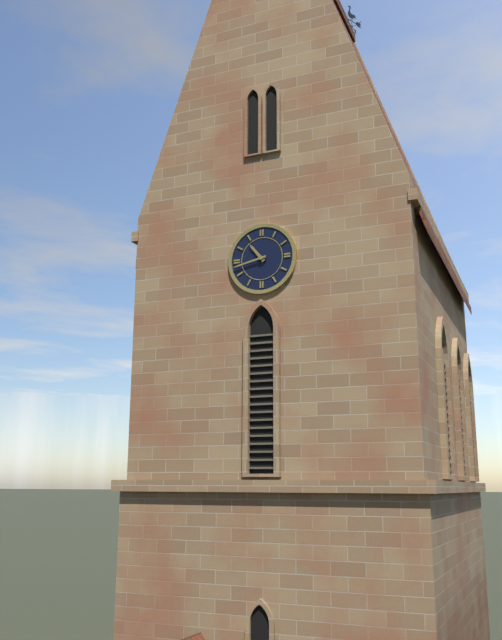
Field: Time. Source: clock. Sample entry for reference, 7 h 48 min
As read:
10 h 43 min
